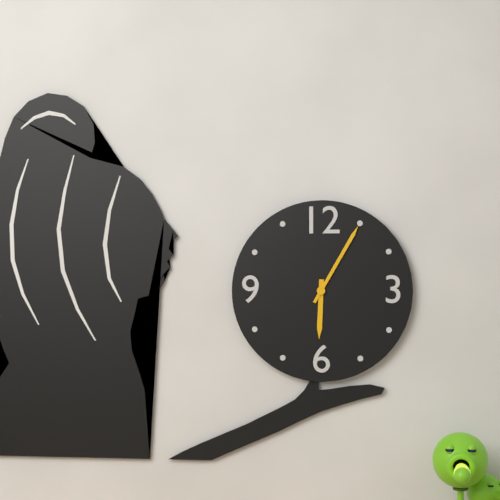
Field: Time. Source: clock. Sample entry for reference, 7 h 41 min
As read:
6 h 05 min
